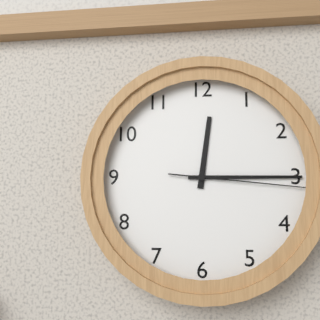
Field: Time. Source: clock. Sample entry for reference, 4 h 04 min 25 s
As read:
12 h 15 min 16 s
